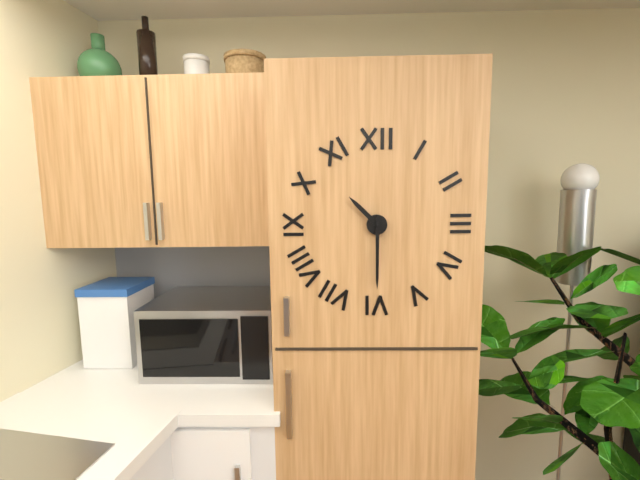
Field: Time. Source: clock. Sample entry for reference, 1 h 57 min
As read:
10 h 30 min
